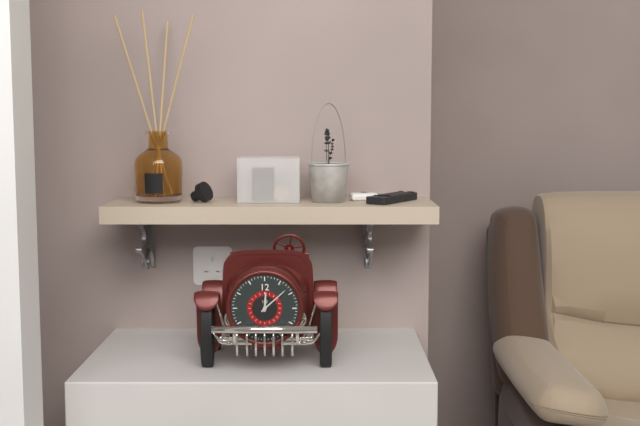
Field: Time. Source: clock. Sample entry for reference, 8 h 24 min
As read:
12 h 08 min
